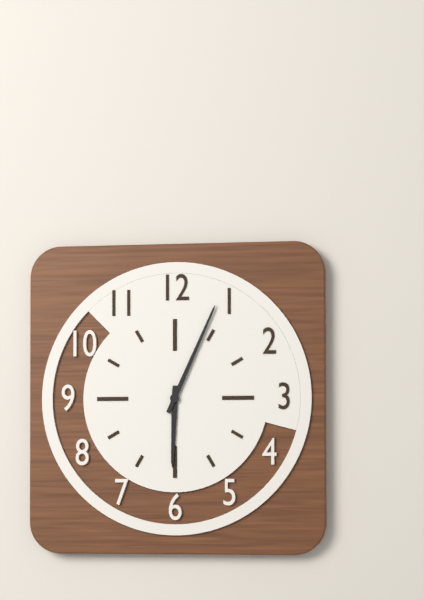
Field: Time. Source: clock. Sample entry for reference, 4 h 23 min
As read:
6 h 04 min
